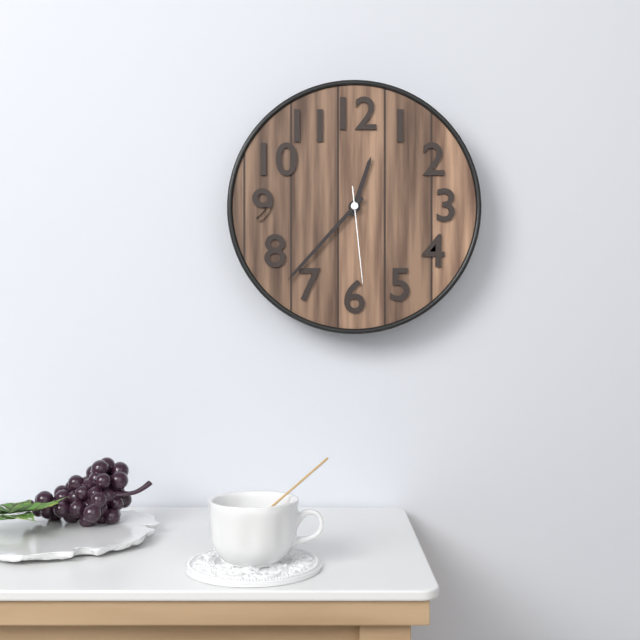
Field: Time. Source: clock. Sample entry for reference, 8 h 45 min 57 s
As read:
12 h 37 min 29 s
